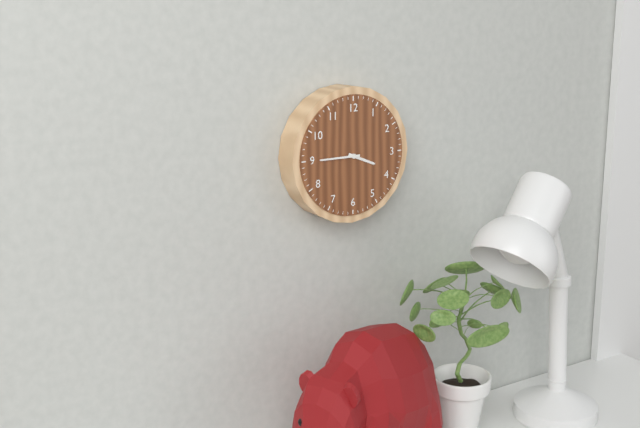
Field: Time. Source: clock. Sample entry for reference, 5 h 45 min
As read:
3 h 45 min
